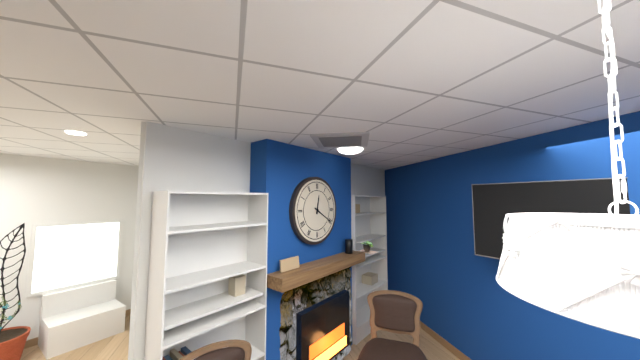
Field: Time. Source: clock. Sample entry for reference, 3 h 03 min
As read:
12 h 20 min
